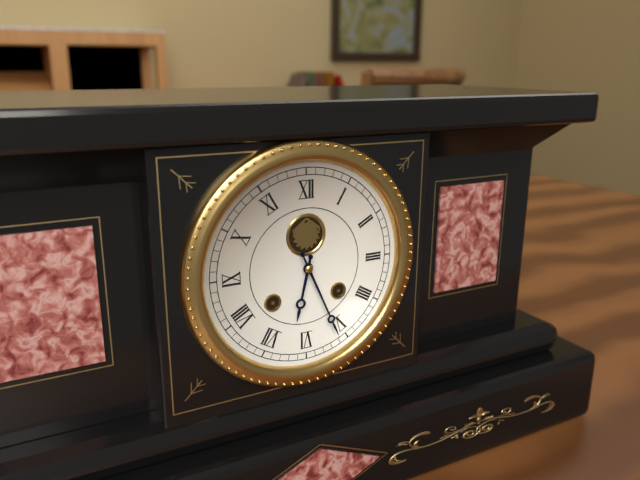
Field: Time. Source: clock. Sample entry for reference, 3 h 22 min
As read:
6 h 26 min
